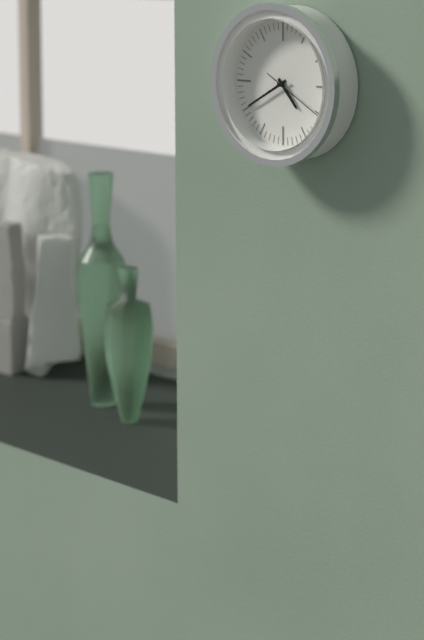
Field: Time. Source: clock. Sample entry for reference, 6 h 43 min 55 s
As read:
4 h 40 min 20 s
